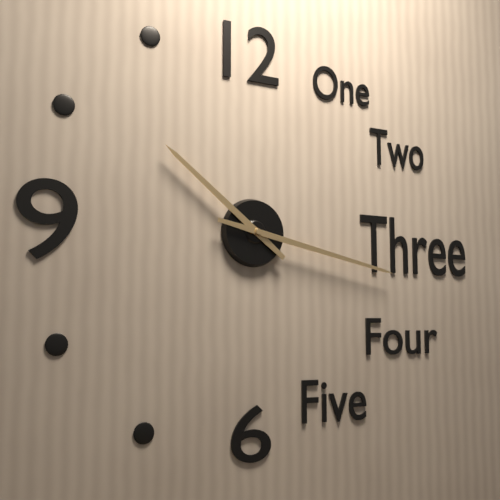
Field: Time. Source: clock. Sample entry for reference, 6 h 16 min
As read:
10 h 17 min
